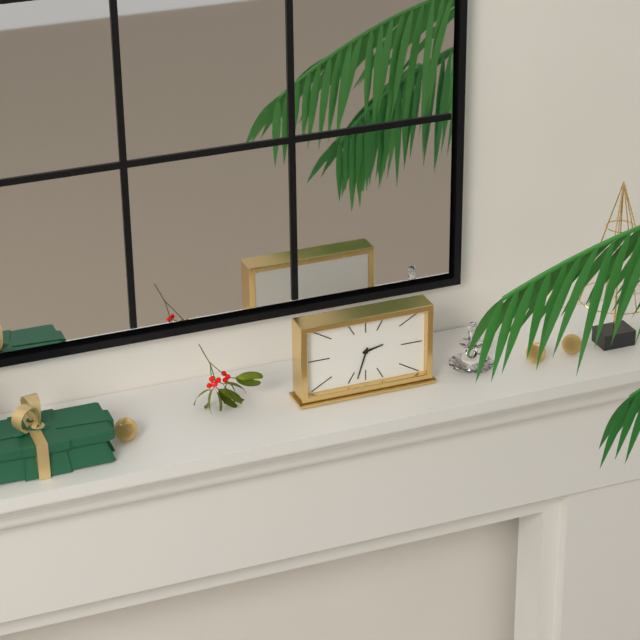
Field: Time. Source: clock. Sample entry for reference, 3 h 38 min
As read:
2 h 33 min
